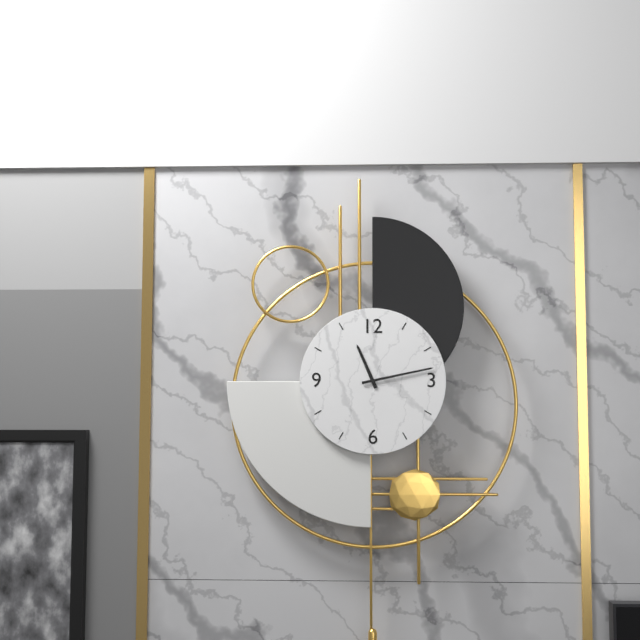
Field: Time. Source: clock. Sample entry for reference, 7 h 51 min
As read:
11 h 13 min
